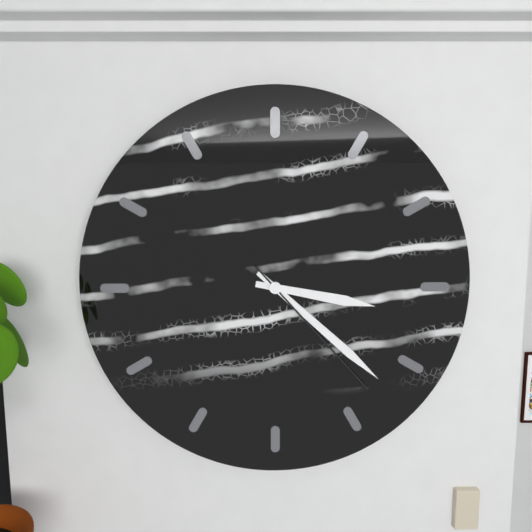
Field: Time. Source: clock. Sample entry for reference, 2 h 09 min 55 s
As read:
3 h 22 min 23 s
